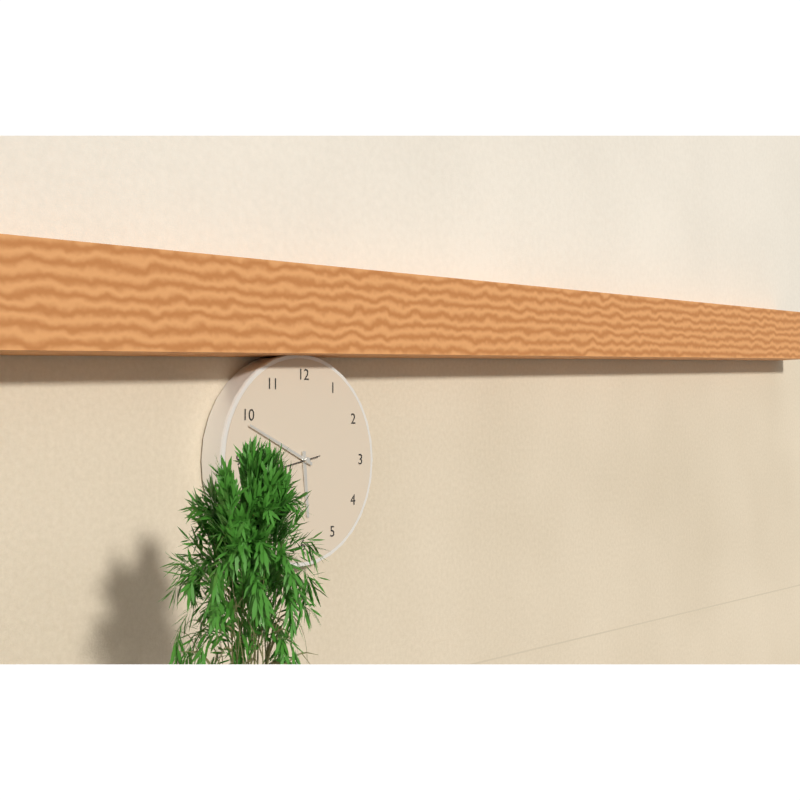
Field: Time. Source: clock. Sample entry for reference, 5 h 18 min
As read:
5 h 49 min
